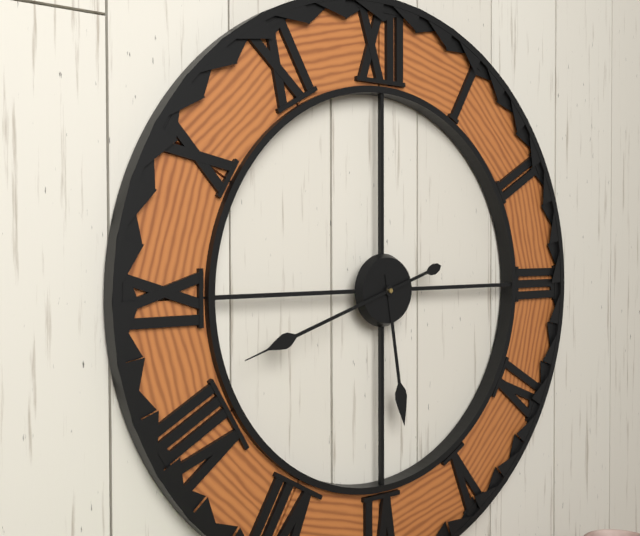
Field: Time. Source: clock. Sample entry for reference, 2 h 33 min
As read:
5 h 42 min
